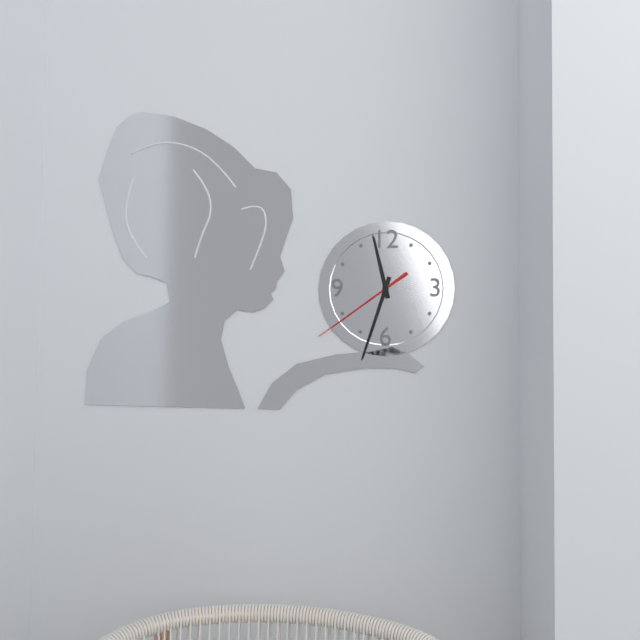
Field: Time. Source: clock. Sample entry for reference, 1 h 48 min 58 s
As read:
11 h 33 min 39 s
